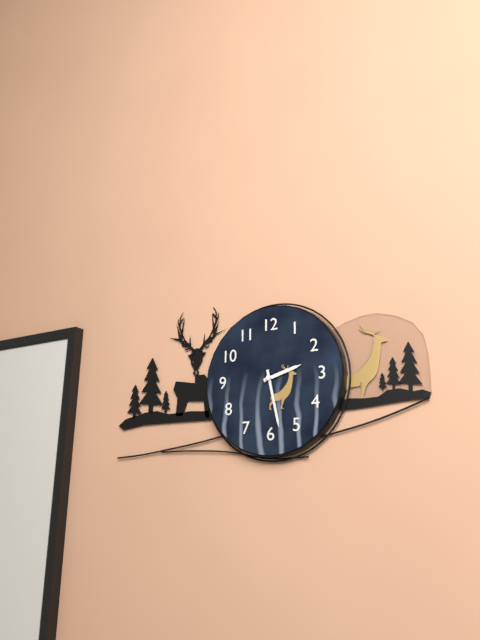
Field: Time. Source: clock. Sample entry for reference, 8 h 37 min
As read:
2 h 28 min
